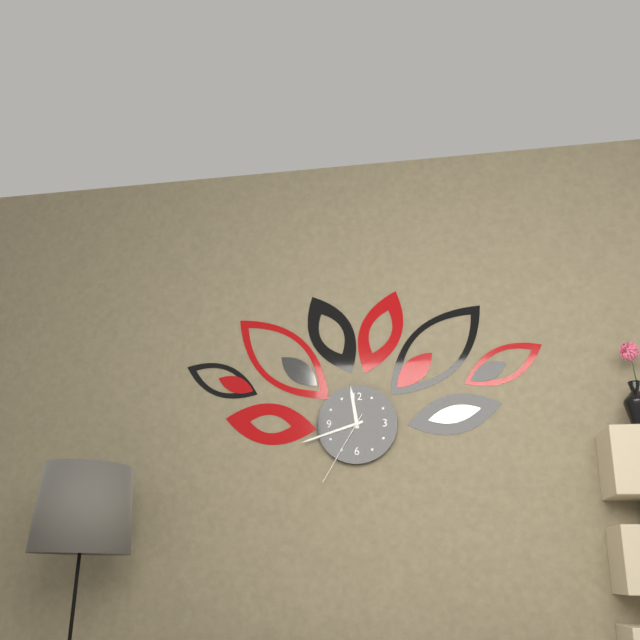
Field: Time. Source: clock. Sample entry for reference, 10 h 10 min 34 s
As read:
11 h 42 min 35 s
